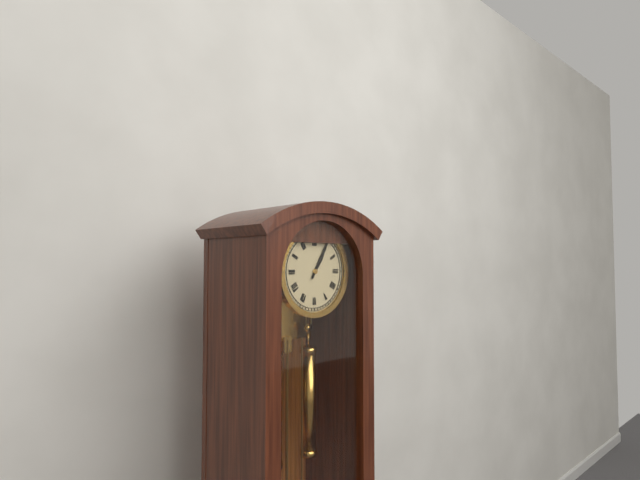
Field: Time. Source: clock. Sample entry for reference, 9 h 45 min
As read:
1 h 05 min
